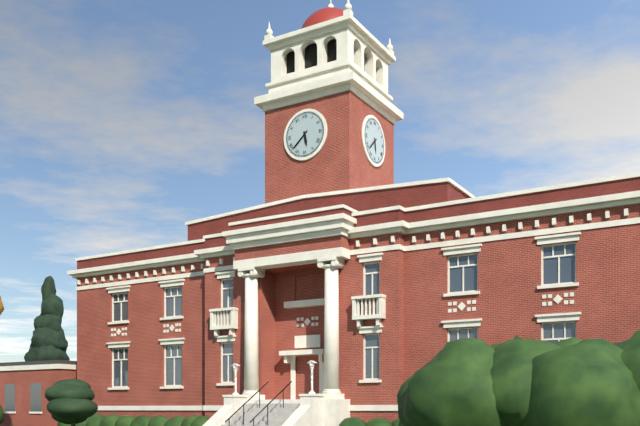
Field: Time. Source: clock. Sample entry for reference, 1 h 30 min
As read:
5 h 38 min
